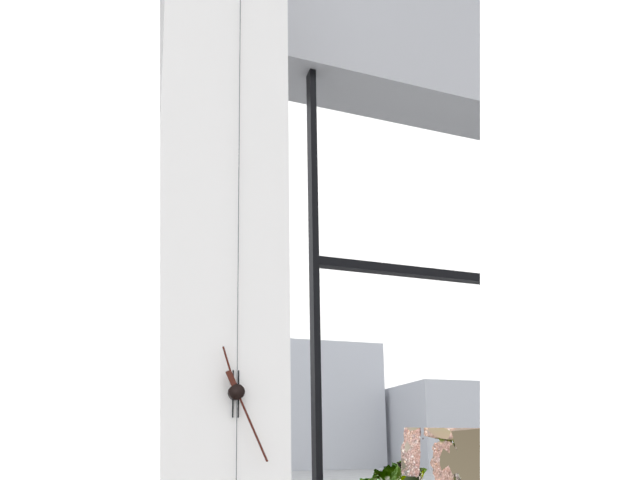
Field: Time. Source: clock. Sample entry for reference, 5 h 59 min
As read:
11 h 26 min
